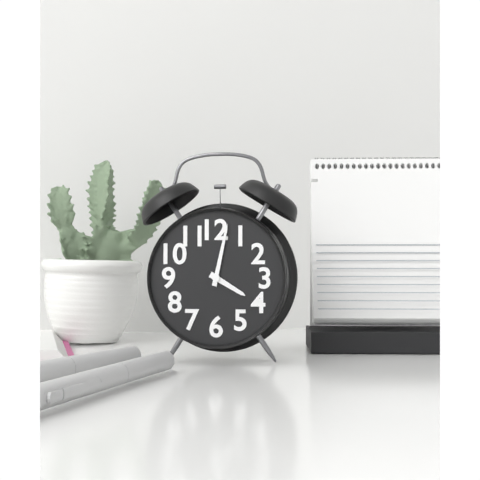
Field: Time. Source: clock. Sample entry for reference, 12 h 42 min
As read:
4 h 02 min
